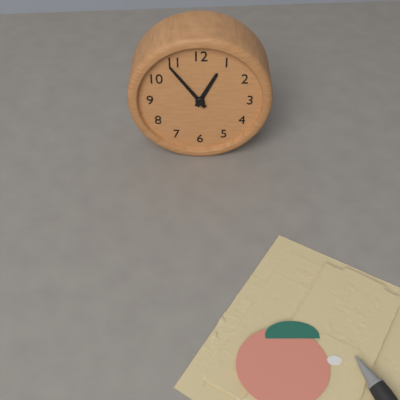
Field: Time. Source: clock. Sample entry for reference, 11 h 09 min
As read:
12 h 54 min
